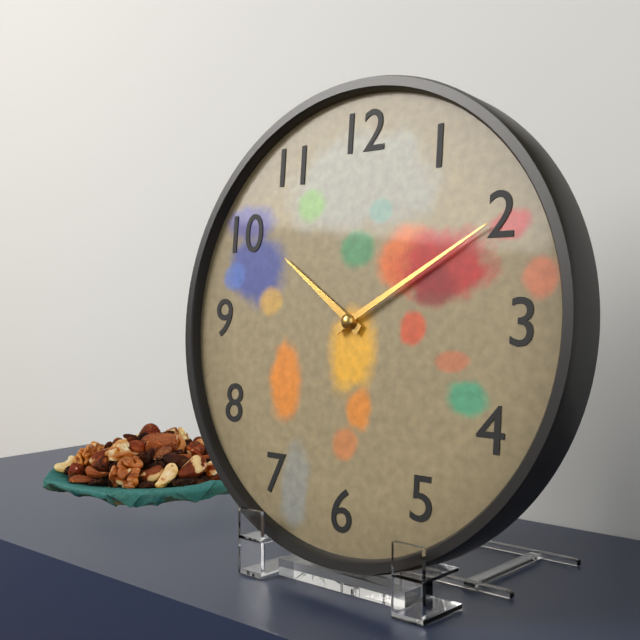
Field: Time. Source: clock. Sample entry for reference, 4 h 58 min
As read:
10 h 10 min
